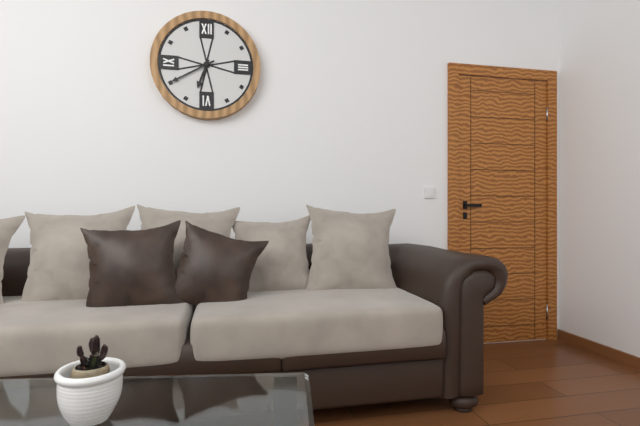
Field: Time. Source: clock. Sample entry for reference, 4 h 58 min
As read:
6 h 40 min
